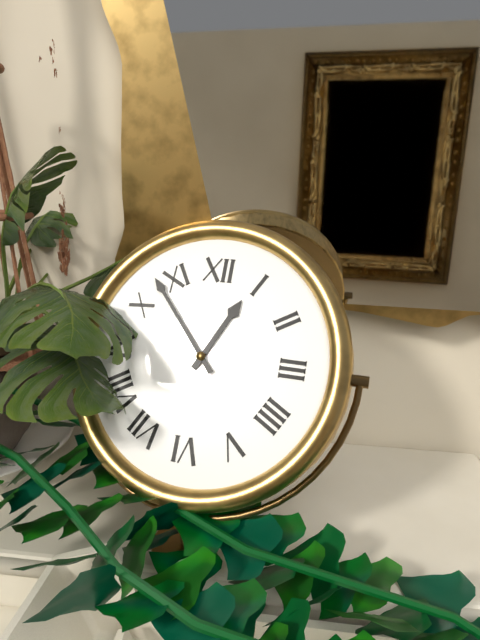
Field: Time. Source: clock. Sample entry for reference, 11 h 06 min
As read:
12 h 53 min
